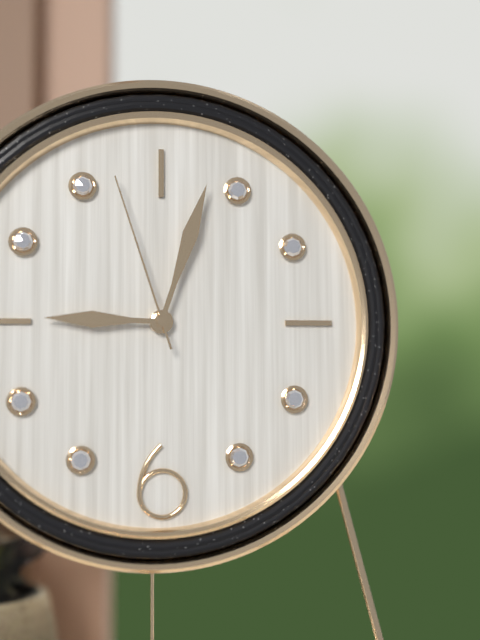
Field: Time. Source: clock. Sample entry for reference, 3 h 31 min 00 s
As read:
9 h 03 min 57 s
